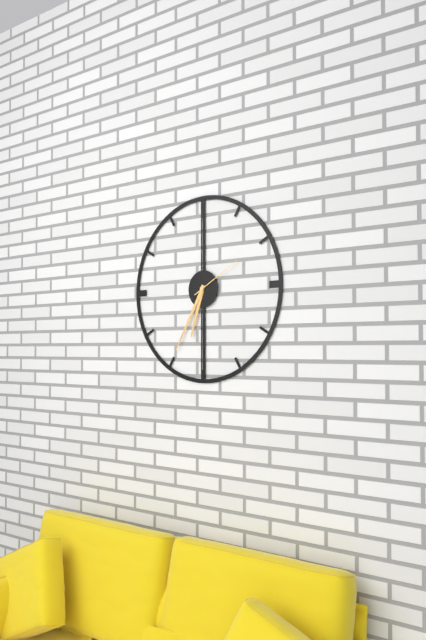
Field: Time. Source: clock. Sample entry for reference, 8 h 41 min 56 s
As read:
6 h 35 min 10 s
